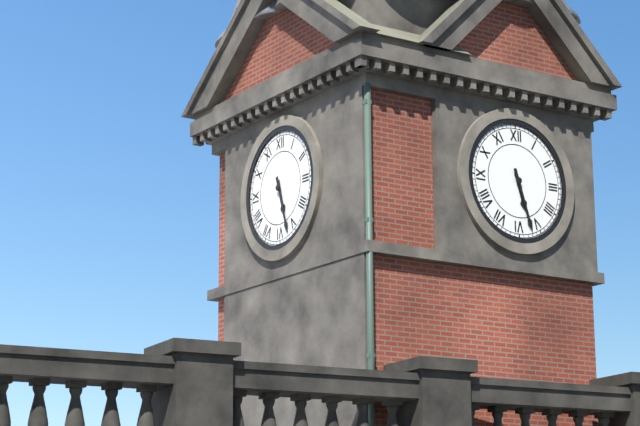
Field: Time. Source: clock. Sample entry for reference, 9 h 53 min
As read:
5 h 27 min
